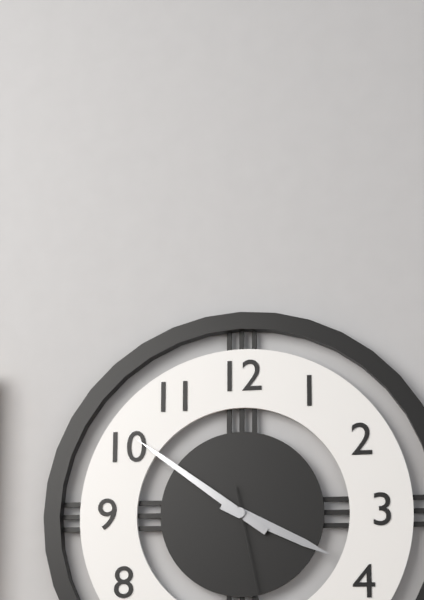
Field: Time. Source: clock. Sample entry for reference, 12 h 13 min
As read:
3 h 51 min
